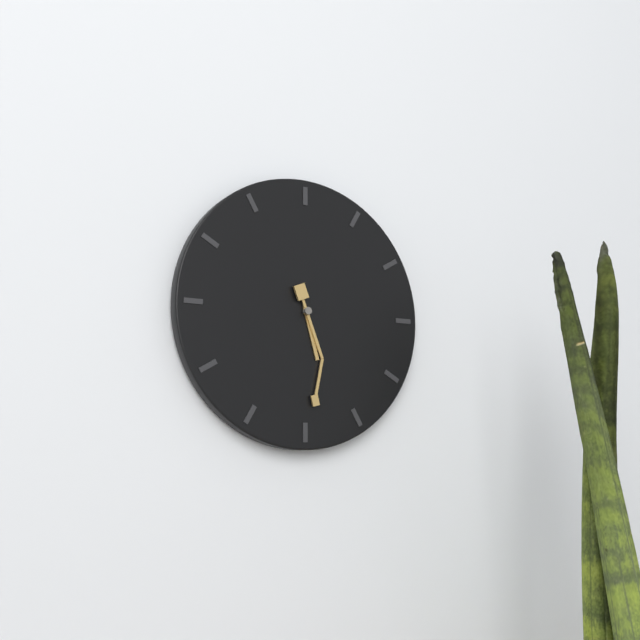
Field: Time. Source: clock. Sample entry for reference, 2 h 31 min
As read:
5 h 29 min
